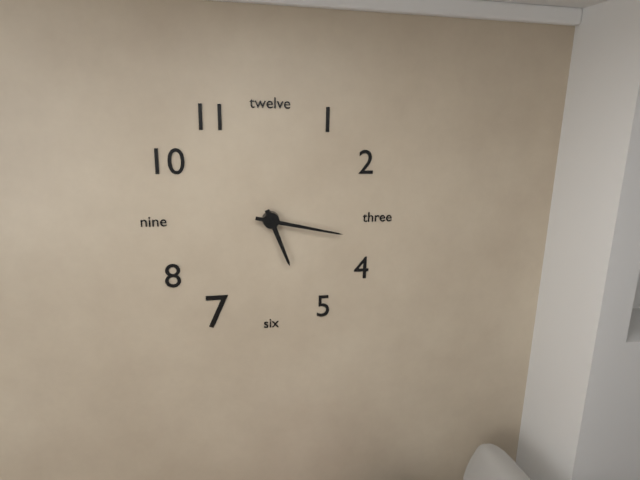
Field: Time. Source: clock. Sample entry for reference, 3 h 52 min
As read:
5 h 17 min
